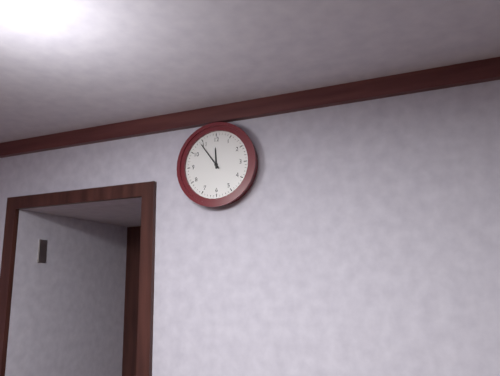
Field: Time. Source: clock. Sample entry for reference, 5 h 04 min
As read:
11 h 54 min
